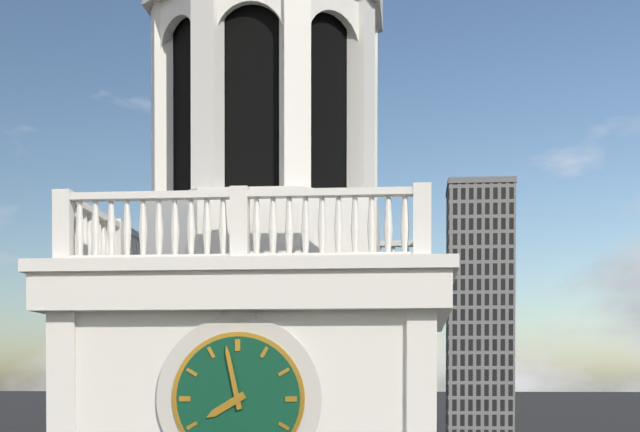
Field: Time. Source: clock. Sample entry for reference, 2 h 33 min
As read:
7 h 58 min
